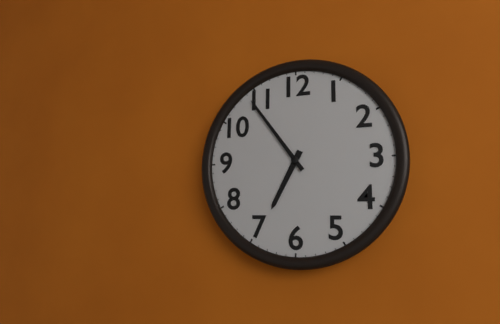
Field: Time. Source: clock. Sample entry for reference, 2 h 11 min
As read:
6 h 54 min
